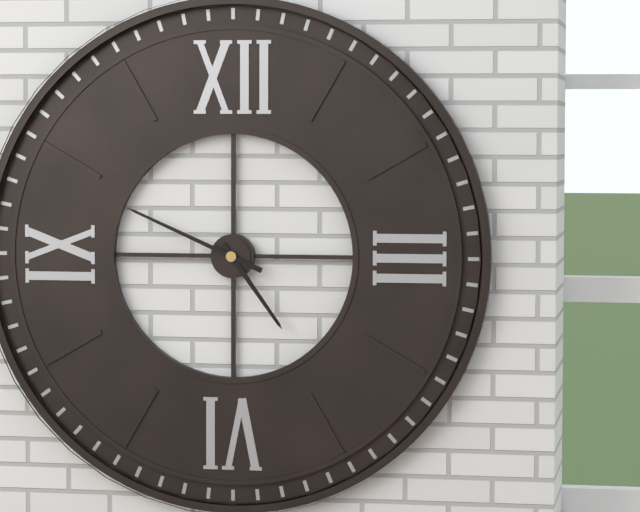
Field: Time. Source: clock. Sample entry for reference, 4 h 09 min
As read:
4 h 49 min
